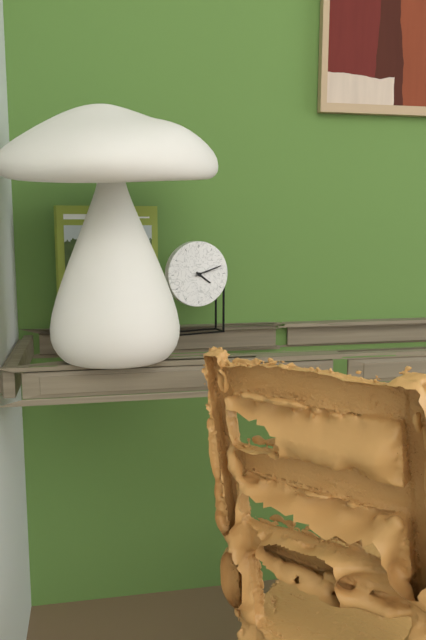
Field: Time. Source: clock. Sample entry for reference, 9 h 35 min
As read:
4 h 12 min
